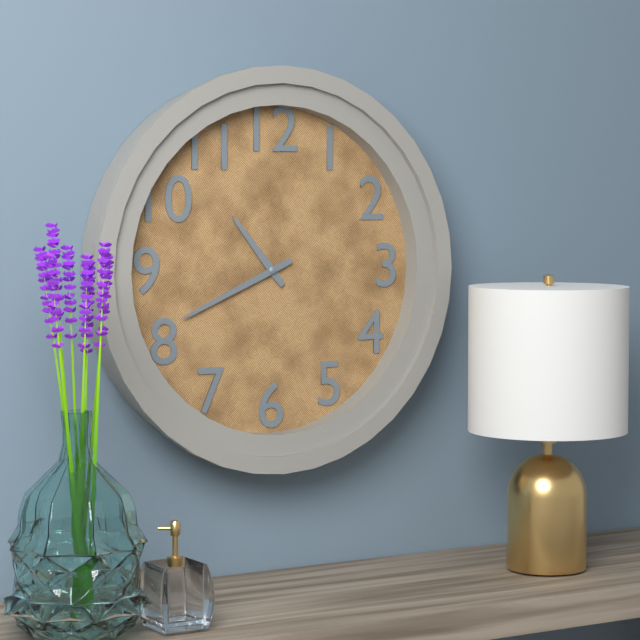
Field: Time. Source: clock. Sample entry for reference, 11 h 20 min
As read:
10 h 41 min
